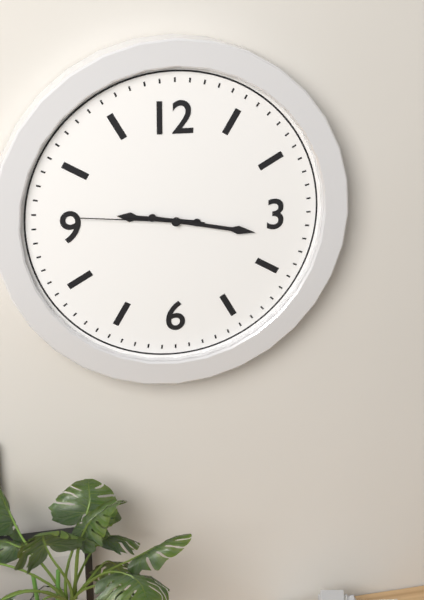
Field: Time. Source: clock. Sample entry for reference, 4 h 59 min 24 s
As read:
9 h 17 min 46 s
